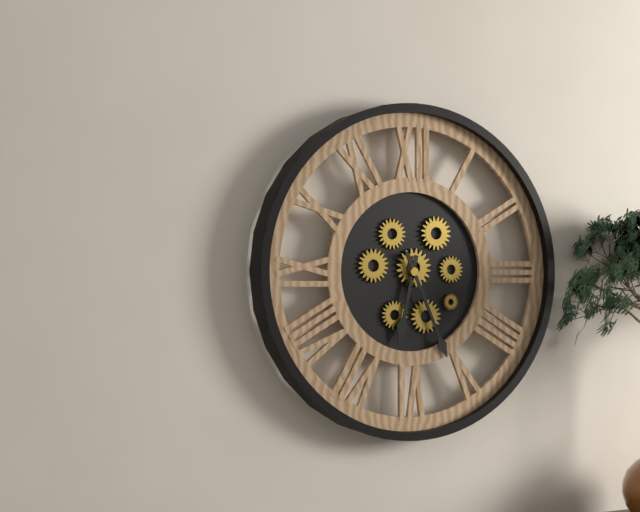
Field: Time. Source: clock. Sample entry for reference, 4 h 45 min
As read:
6 h 26 min
